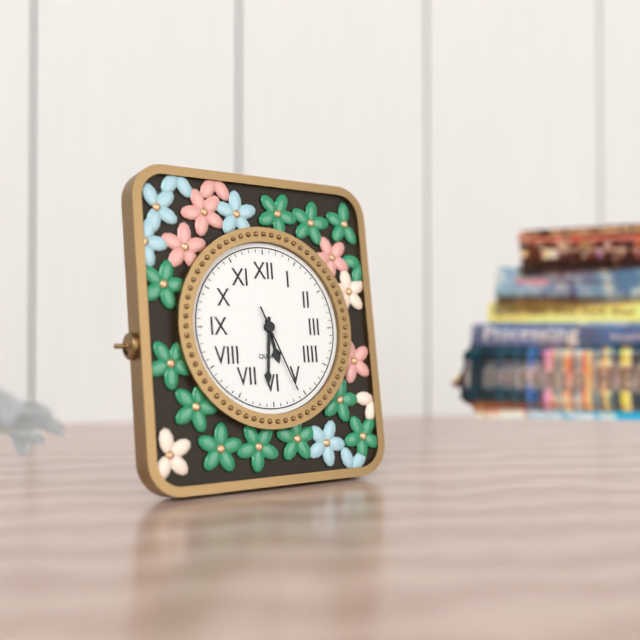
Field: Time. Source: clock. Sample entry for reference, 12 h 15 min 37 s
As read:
5 h 31 min 26 s
